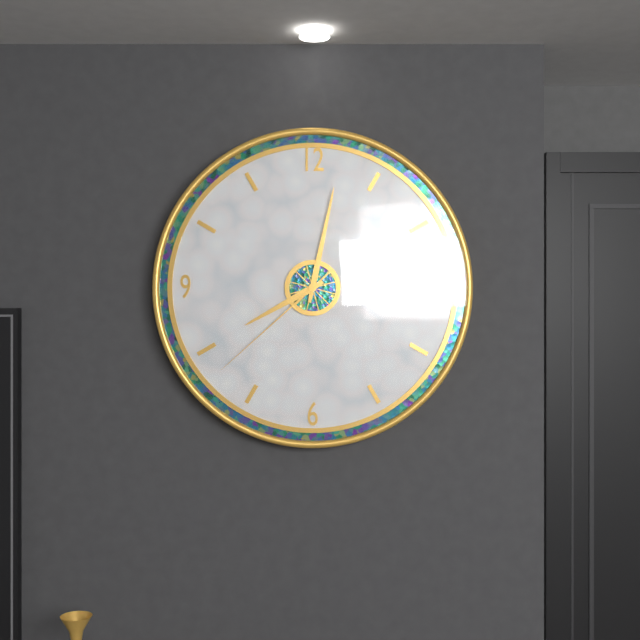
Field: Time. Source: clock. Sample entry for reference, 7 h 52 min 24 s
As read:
8 h 02 min 38 s
